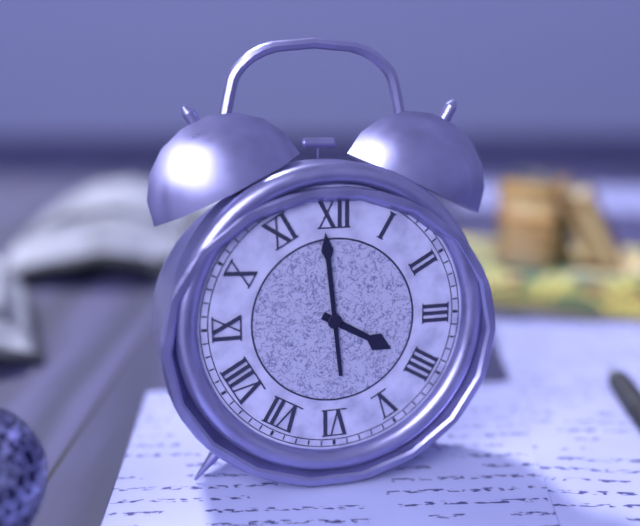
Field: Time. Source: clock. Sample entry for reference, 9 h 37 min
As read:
3 h 59 min
